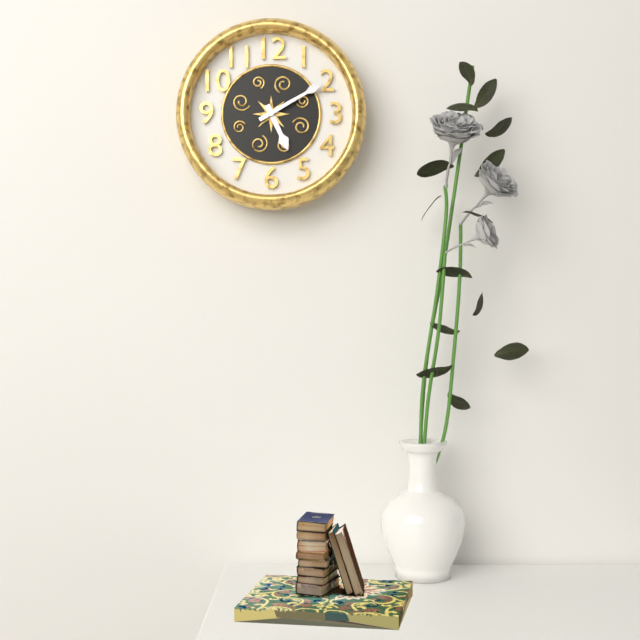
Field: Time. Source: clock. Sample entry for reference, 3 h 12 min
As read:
5 h 10 min
